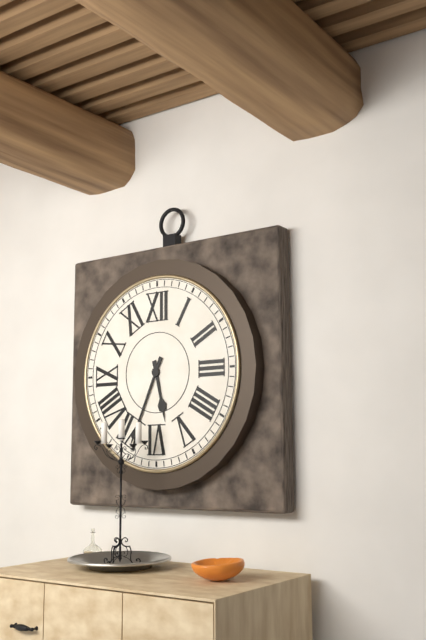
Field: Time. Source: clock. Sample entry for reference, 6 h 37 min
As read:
5 h 34 min
